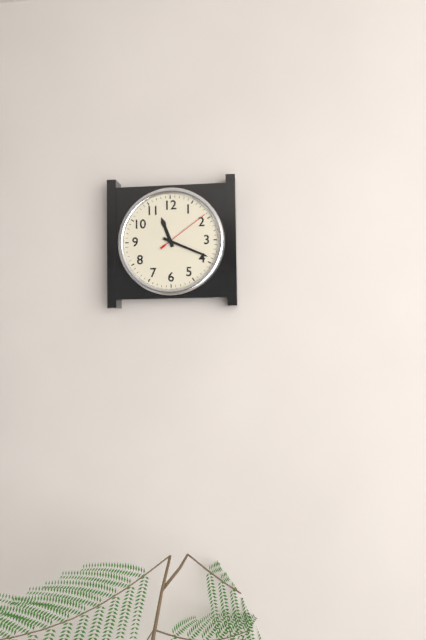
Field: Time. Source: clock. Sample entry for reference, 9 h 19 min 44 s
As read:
11 h 19 min 09 s
